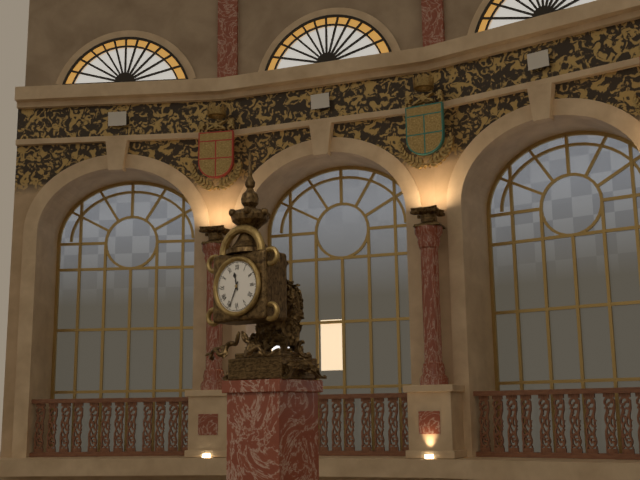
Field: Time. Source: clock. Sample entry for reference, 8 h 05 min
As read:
11 h 34 min
